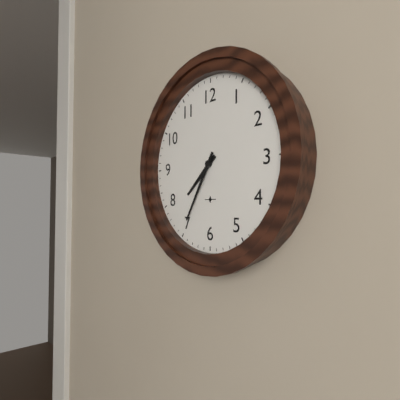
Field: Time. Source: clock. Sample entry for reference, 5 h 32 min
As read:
7 h 35 min
